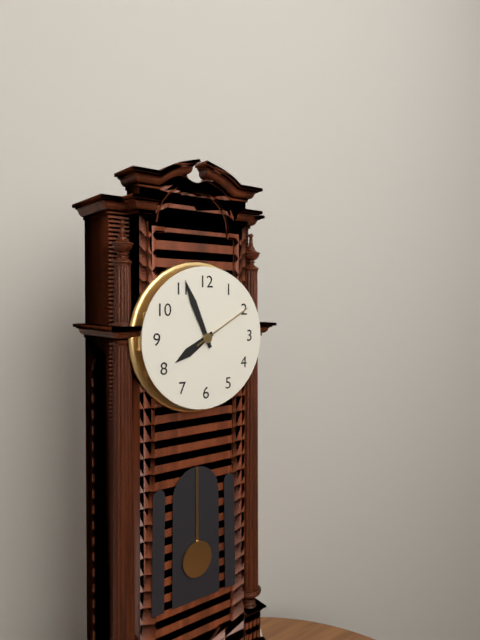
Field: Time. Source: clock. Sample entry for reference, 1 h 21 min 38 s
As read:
7 h 56 min 10 s
